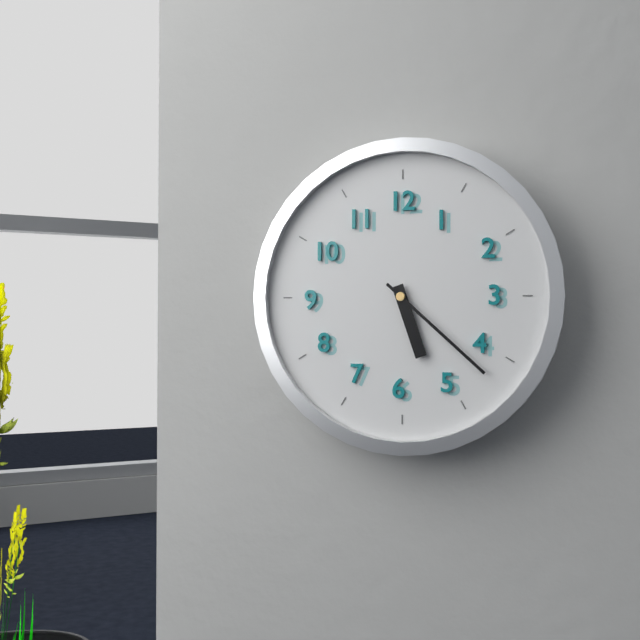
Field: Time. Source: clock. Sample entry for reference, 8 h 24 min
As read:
5 h 22 min
